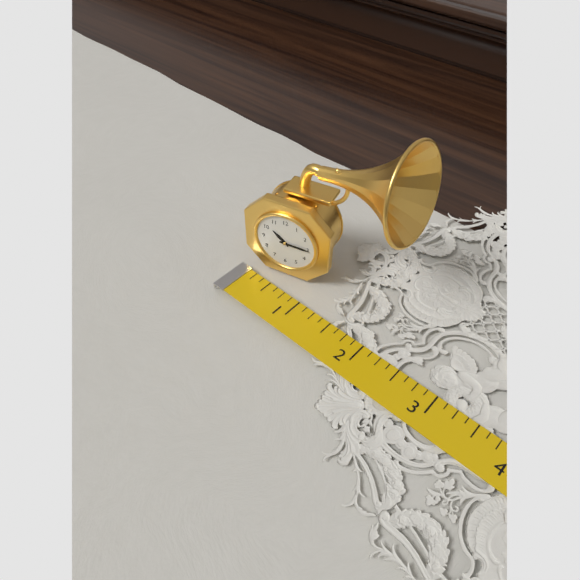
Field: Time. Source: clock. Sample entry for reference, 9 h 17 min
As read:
10 h 15 min
